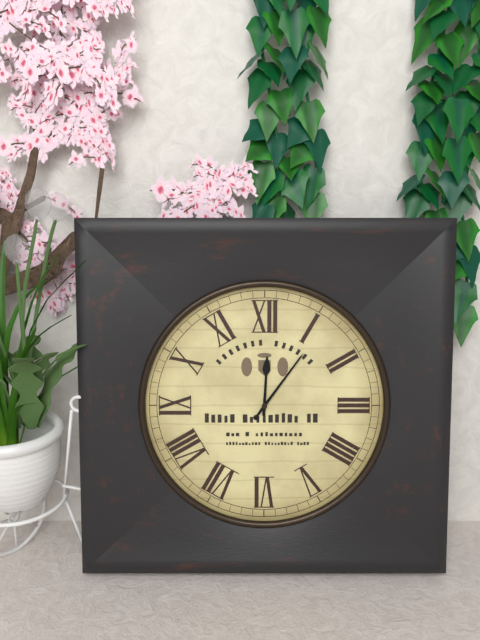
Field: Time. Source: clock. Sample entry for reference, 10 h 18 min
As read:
12 h 06 min
